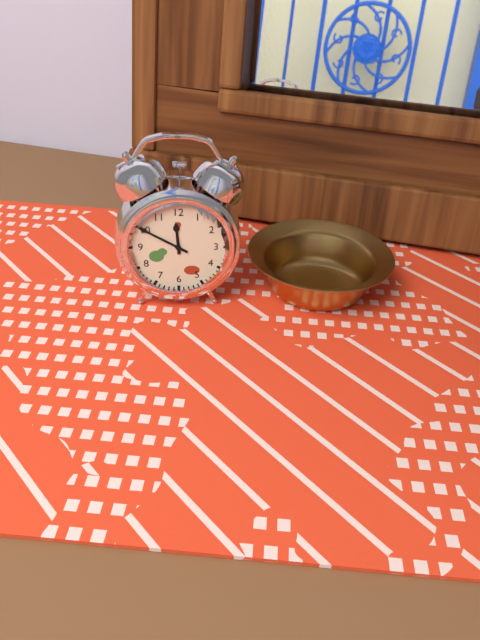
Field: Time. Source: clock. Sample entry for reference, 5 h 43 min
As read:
11 h 50 min
